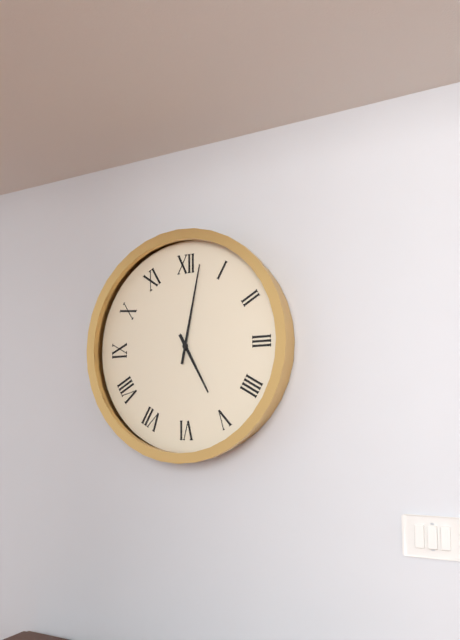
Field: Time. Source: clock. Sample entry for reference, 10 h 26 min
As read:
5 h 02 min
